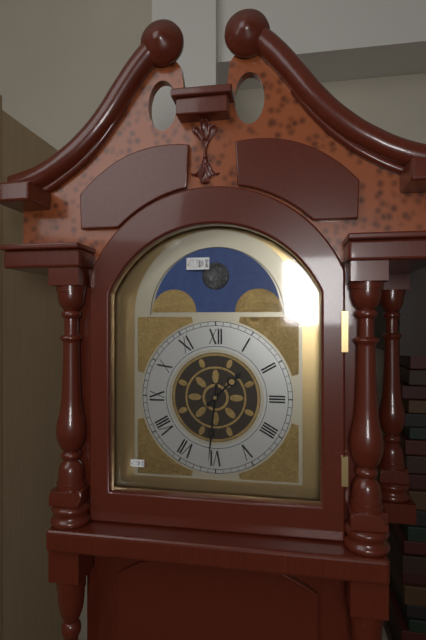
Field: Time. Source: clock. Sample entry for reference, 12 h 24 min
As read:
1 h 31 min
